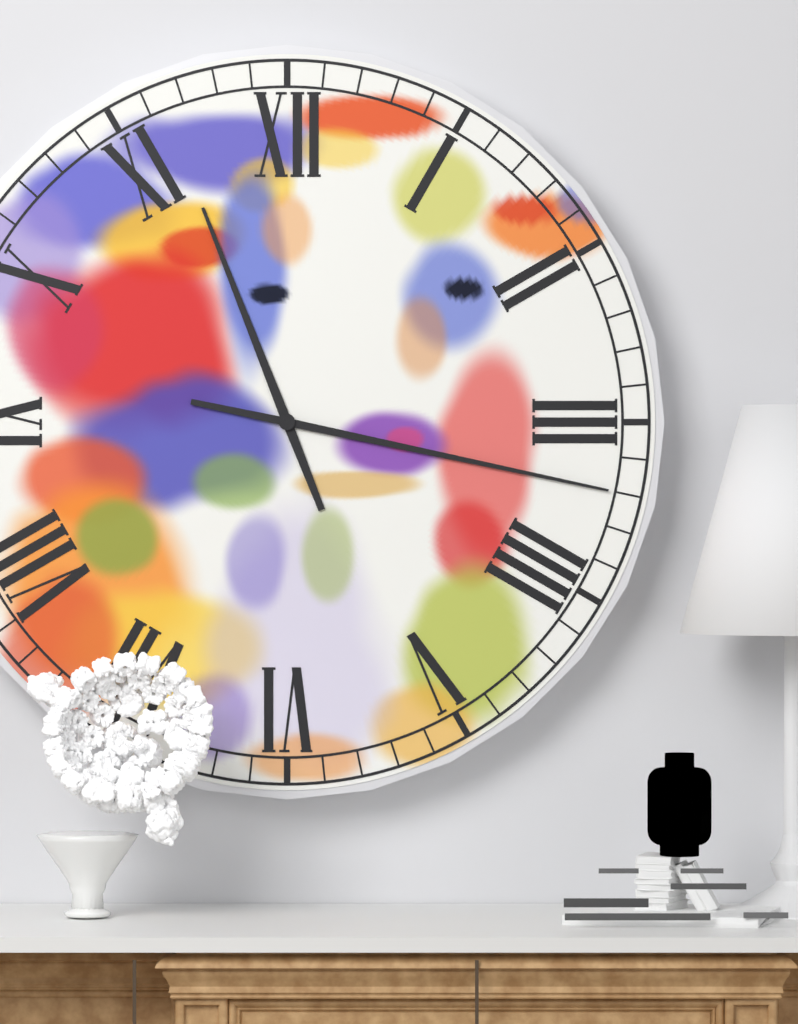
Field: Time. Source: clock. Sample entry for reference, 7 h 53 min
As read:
11 h 17 min
